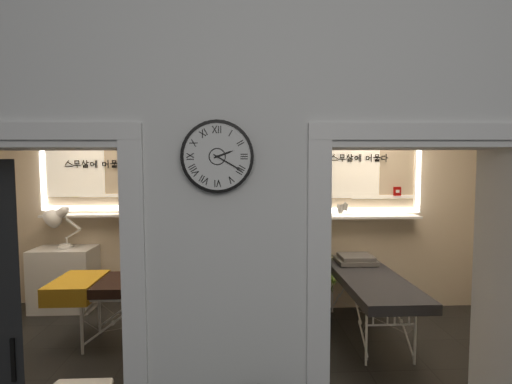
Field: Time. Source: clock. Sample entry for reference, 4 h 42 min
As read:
2 h 20 min
